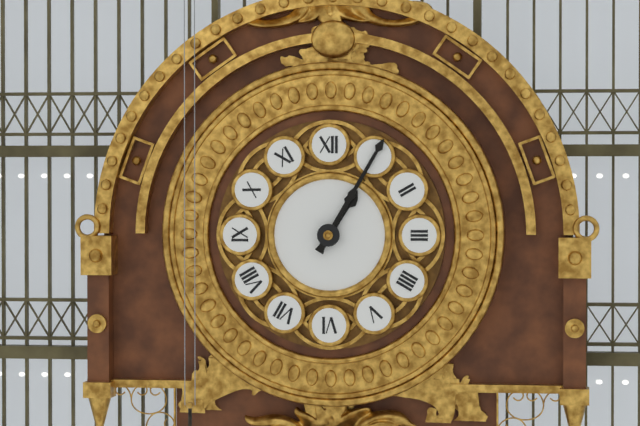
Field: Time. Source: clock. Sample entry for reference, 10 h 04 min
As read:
1 h 05 min
